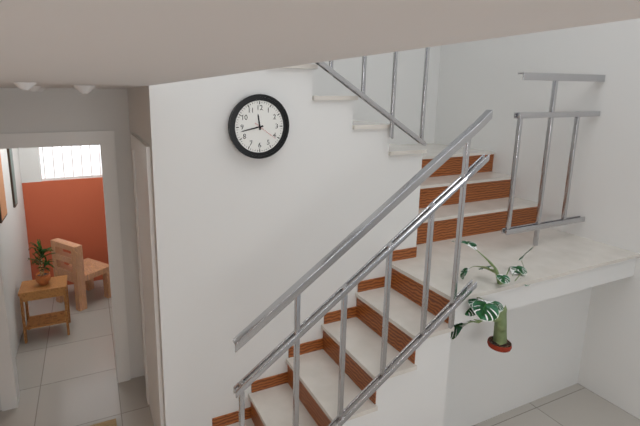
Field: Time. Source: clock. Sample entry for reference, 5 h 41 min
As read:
11 h 43 min
